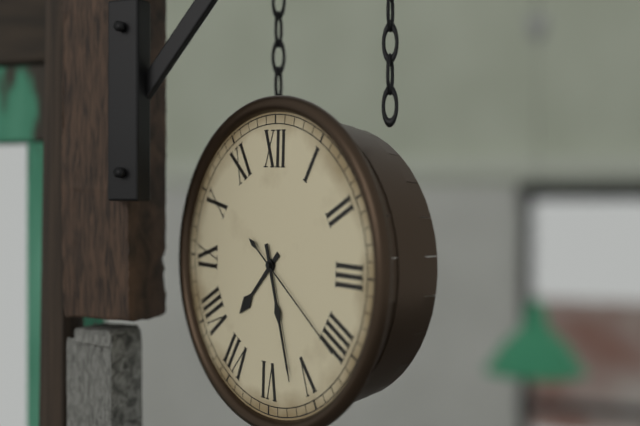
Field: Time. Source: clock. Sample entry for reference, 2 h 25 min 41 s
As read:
7 h 27 min 21 s
